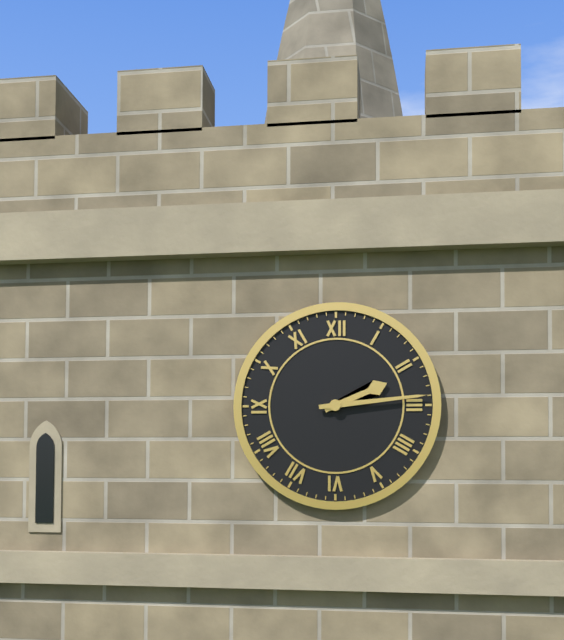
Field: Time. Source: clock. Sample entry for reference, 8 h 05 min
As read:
2 h 14 min
